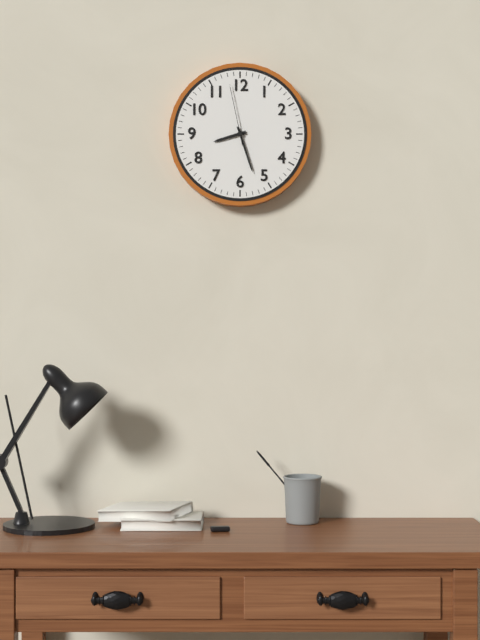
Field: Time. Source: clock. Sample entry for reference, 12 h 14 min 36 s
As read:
8 h 27 min 58 s
